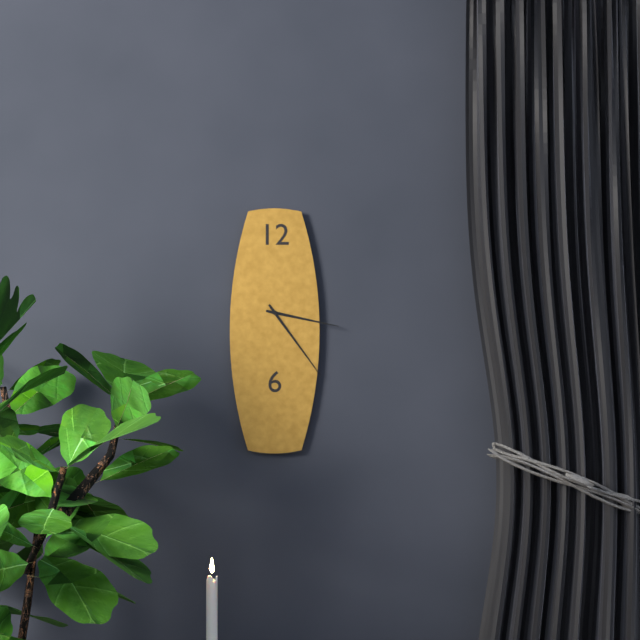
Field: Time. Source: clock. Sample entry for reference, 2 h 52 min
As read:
3 h 24 min
